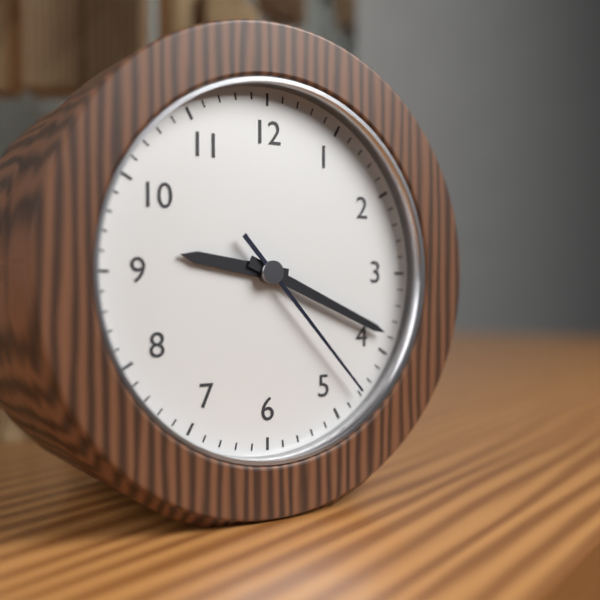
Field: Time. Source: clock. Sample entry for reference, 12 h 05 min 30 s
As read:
9 h 19 min 23 s
